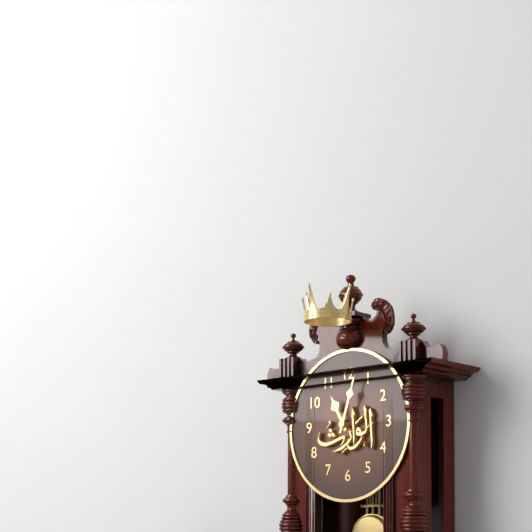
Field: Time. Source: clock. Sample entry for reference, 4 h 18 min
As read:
11 h 03 min
